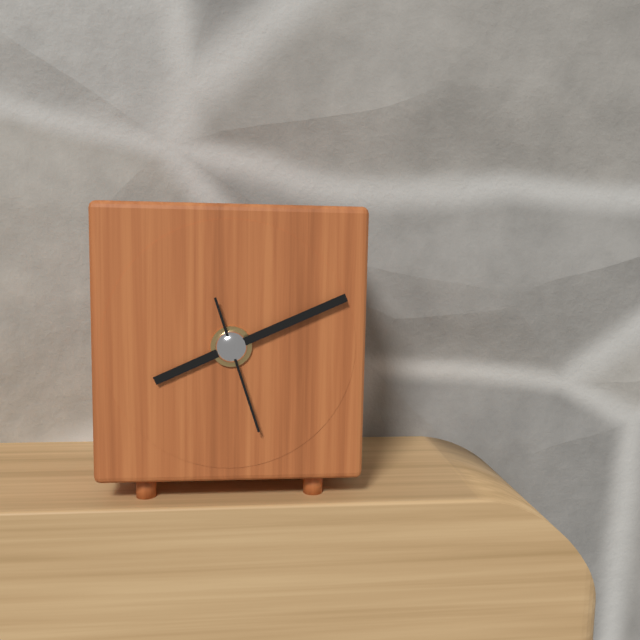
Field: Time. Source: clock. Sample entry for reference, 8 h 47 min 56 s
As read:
8 h 11 min 27 s
